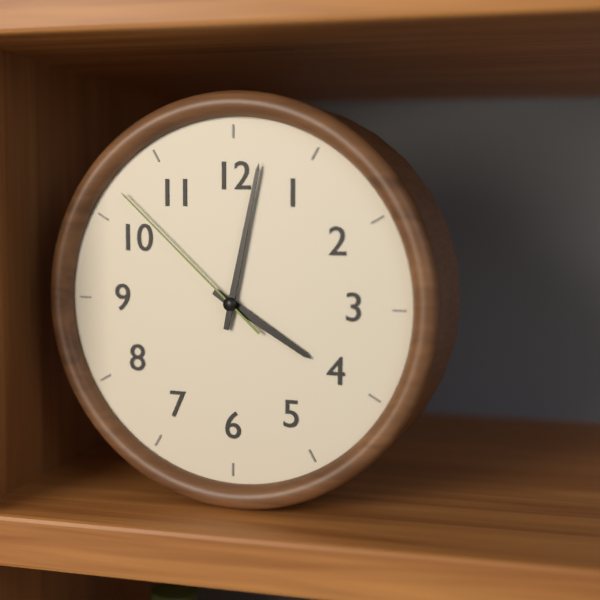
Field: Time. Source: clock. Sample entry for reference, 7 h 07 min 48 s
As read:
4 h 02 min 52 s
